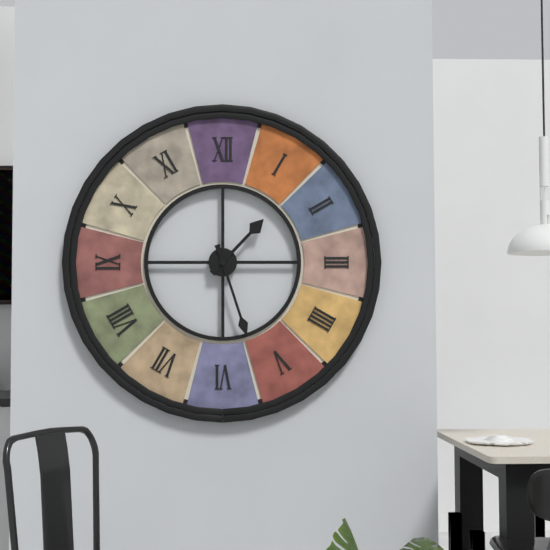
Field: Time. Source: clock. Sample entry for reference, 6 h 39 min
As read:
1 h 27 min
